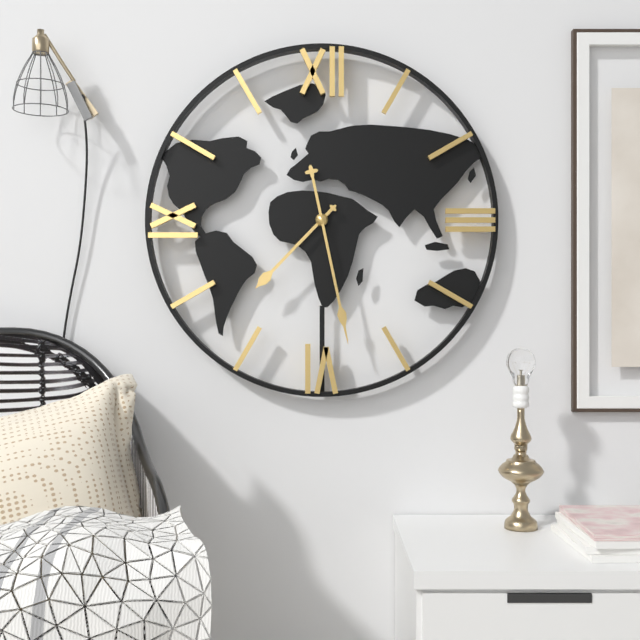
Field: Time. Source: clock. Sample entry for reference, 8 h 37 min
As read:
7 h 28 min
